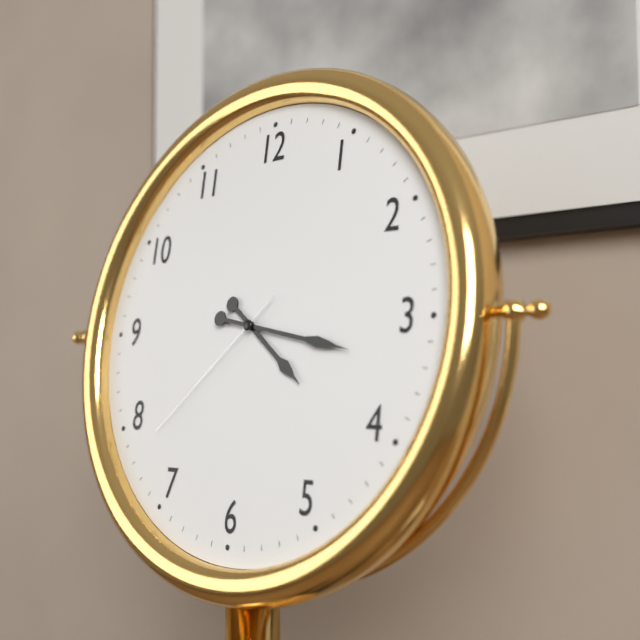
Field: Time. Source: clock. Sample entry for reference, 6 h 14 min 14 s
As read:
4 h 17 min 38 s
